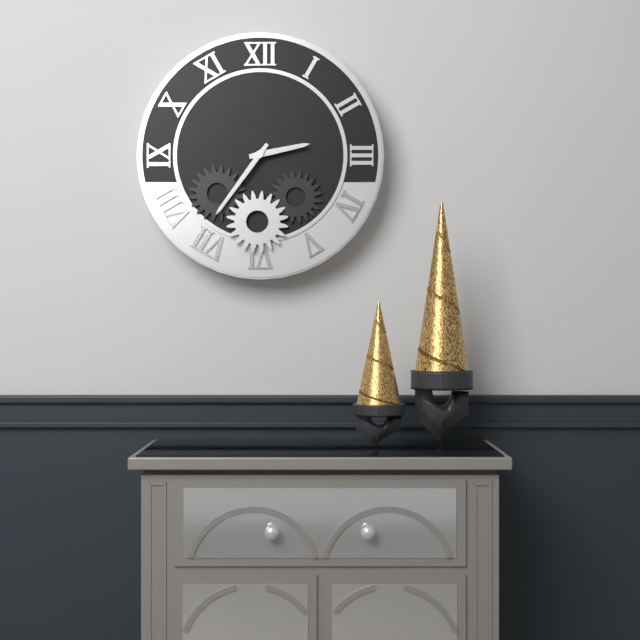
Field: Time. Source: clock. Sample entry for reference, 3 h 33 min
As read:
2 h 36 min
